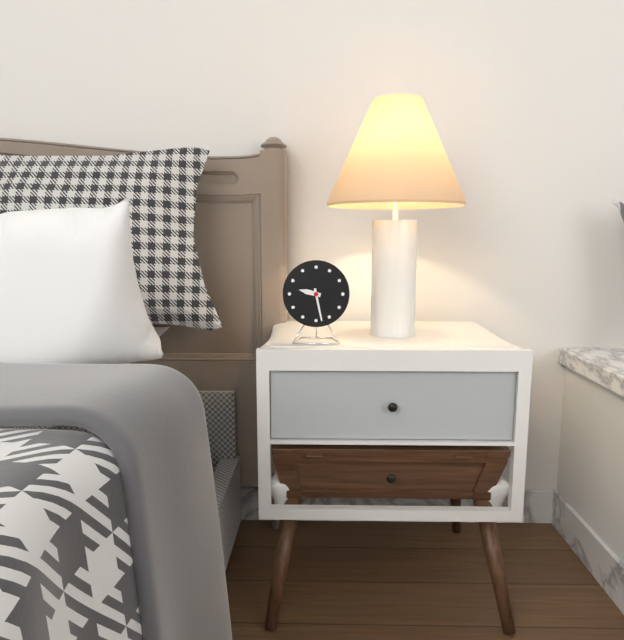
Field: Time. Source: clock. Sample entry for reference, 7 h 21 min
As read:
9 h 28 min
